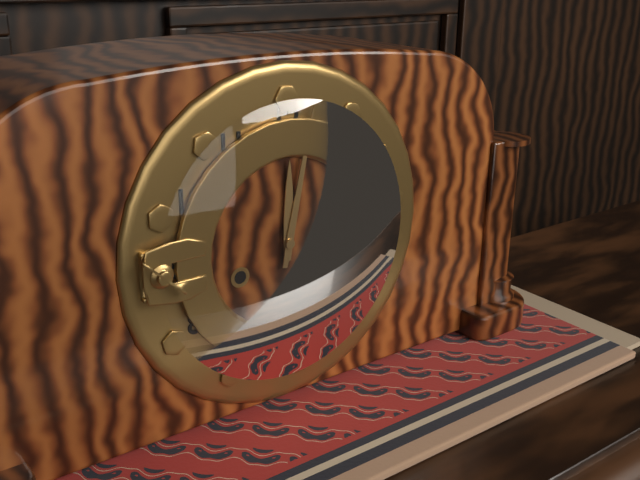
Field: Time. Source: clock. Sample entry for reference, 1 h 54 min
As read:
12 h 02 min
